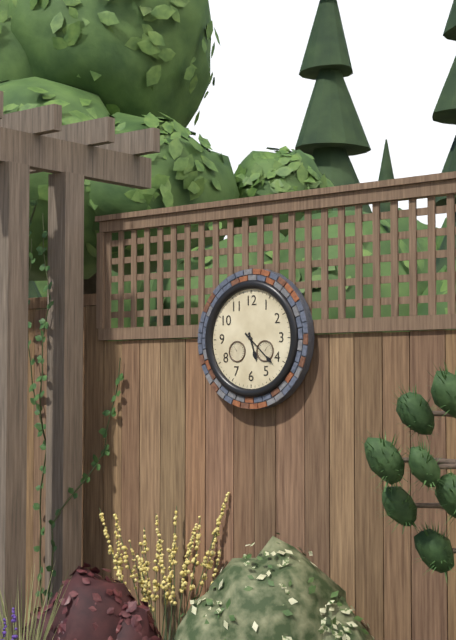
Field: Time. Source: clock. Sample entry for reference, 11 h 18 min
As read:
5 h 22 min
